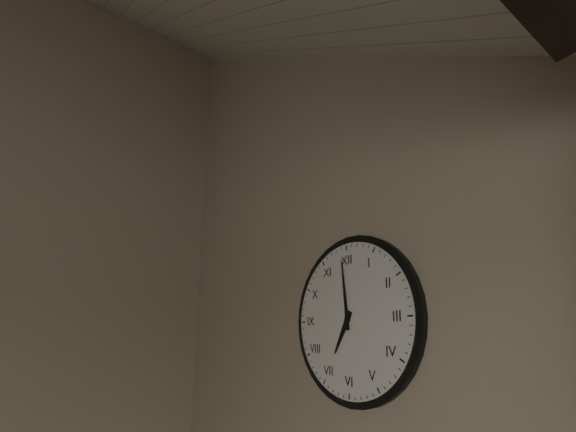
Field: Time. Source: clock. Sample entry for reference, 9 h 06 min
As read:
6 h 59 min
